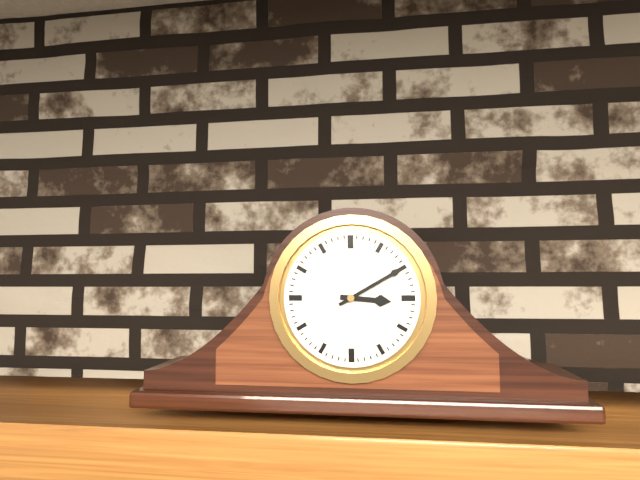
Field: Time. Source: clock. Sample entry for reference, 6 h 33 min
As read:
3 h 10 min
